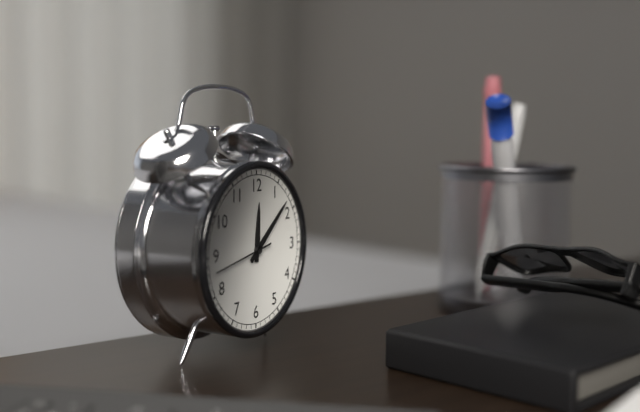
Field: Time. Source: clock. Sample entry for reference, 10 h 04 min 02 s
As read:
12 h 08 min 43 s
